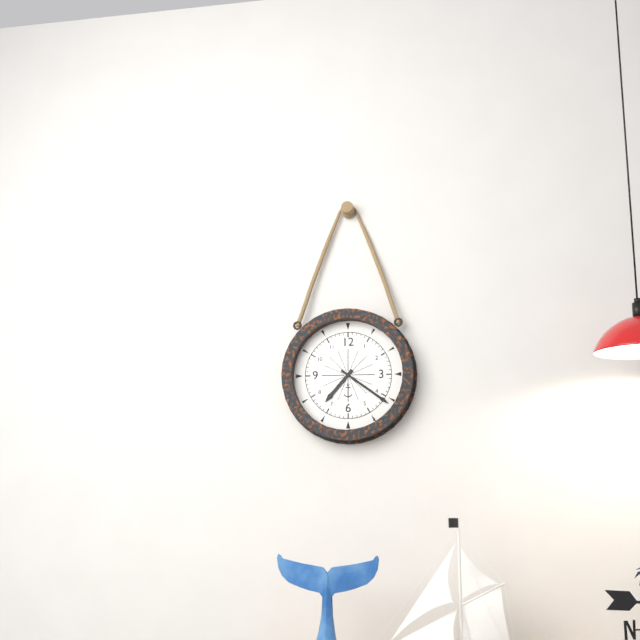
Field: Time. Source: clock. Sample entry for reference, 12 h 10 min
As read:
7 h 21 min
